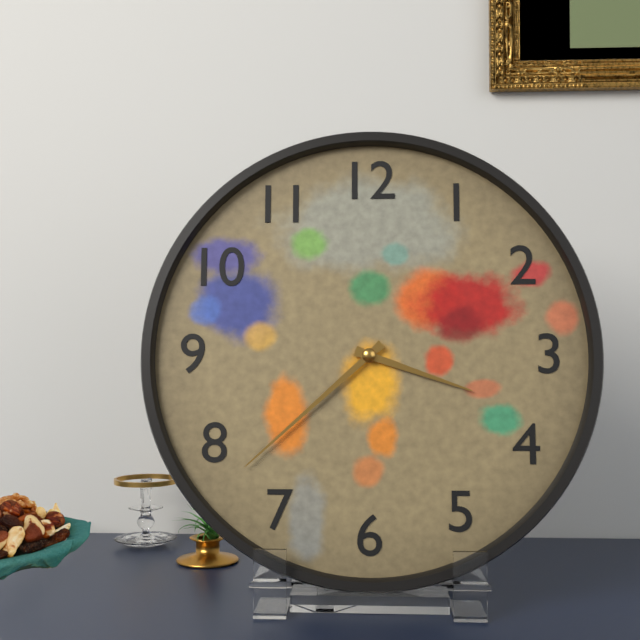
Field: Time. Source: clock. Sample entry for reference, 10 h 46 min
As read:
3 h 38 min
